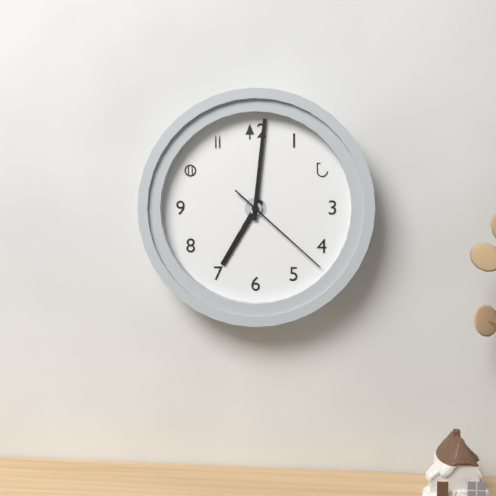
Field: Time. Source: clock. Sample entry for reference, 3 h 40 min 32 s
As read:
7 h 01 min 22 s
